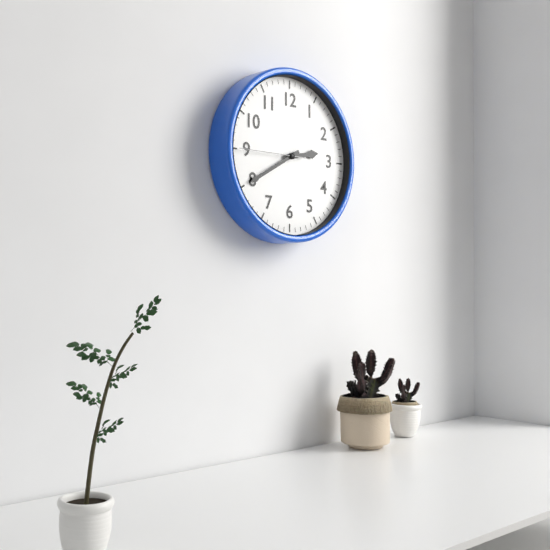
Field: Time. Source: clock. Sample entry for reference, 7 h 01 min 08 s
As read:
2 h 40 min 45 s
